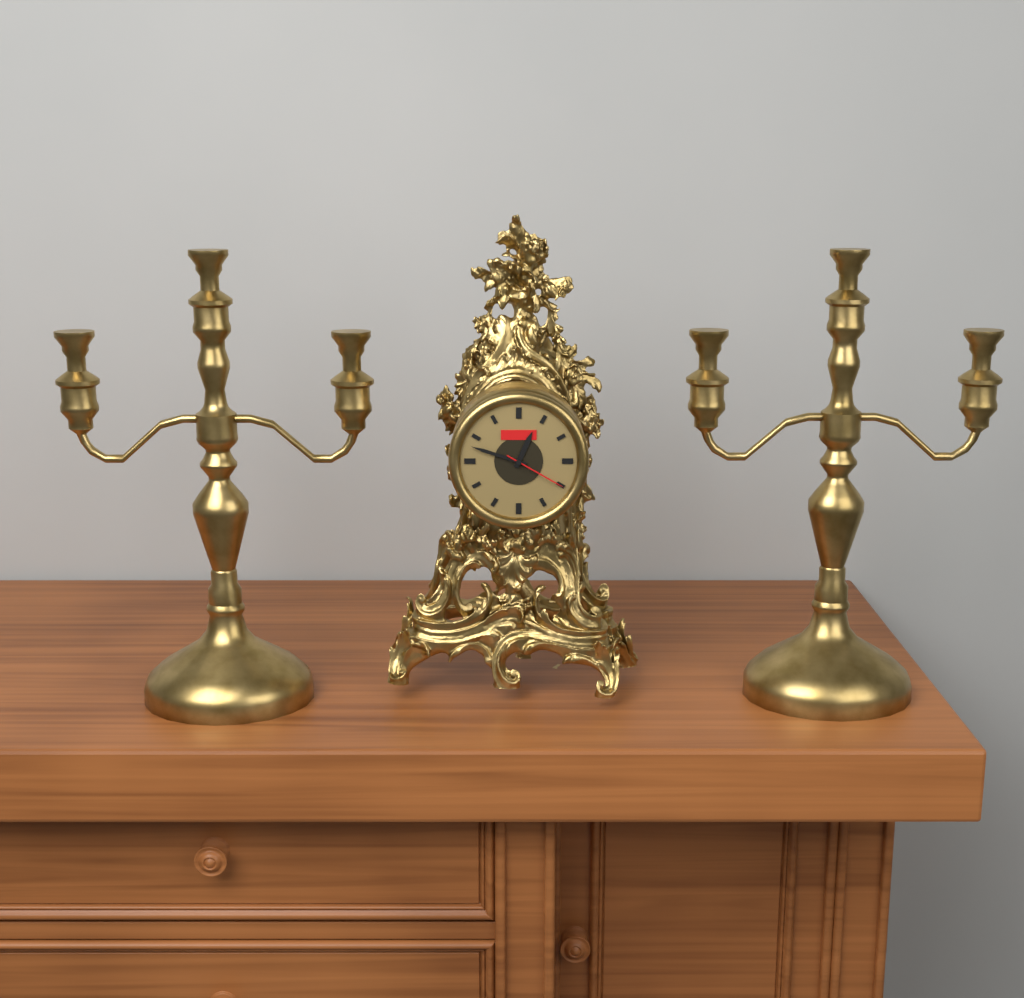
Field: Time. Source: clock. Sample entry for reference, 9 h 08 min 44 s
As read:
12 h 48 min 20 s
